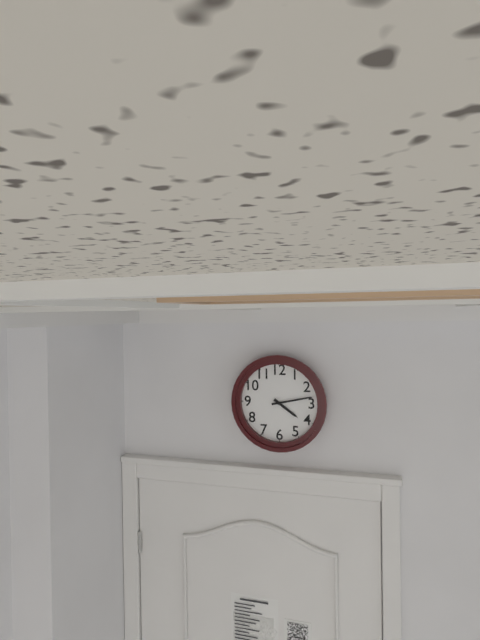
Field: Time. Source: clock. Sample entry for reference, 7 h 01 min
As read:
4 h 13 min
